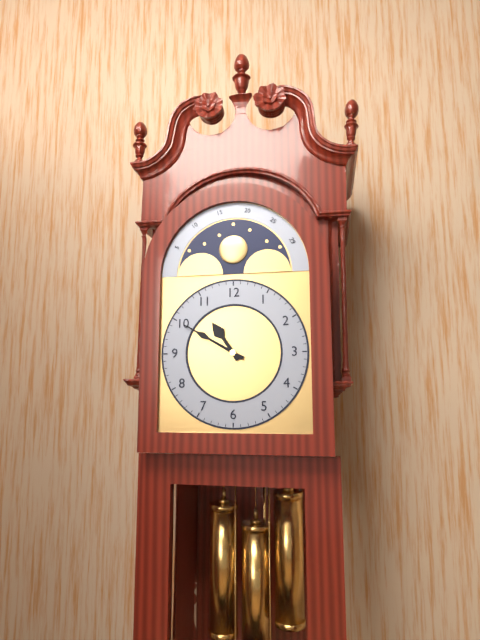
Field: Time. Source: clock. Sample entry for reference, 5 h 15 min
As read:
10 h 50 min
